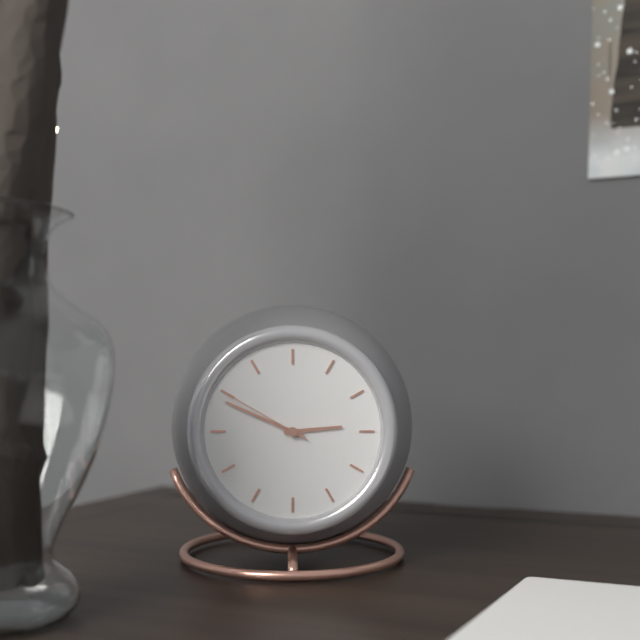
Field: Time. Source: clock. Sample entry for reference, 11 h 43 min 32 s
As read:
2 h 49 min 50 s
